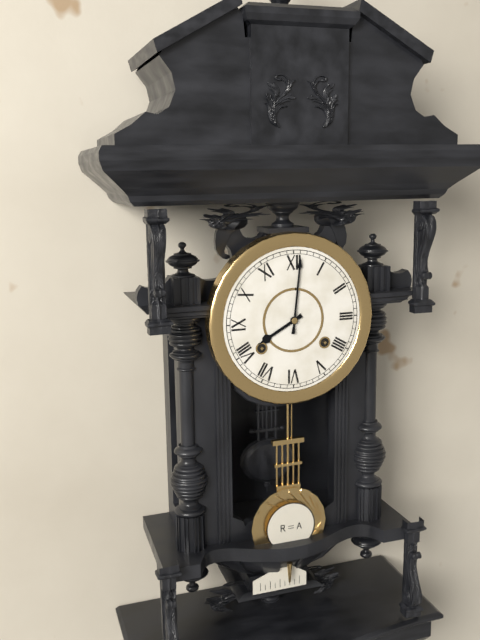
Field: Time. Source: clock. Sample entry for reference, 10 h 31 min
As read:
8 h 01 min
